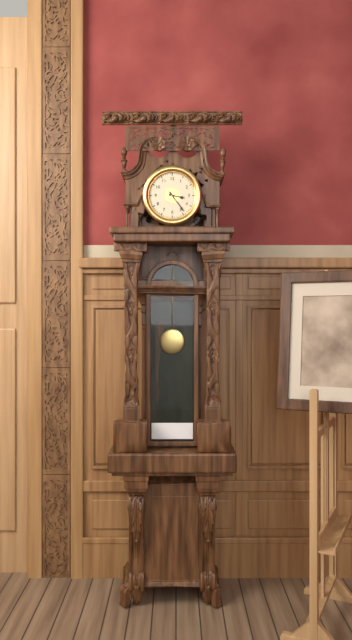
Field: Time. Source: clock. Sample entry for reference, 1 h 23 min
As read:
3 h 24 min
